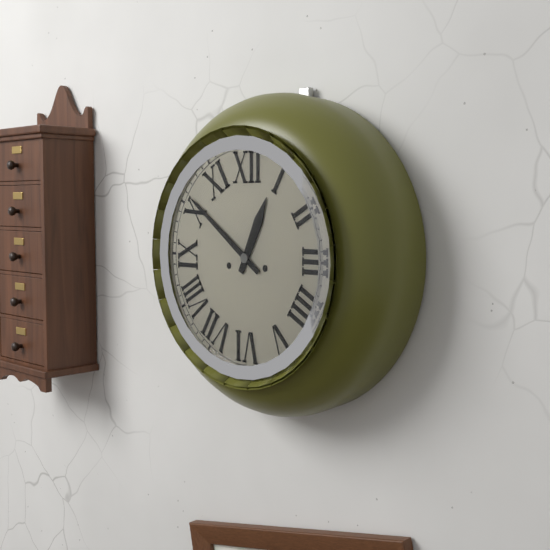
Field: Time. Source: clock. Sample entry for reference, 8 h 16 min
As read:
12 h 51 min
